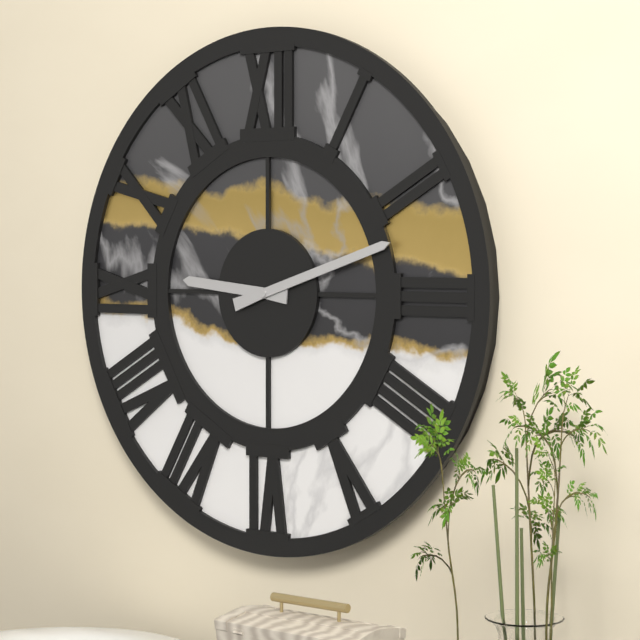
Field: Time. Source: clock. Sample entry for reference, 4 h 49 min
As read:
9 h 12 min
